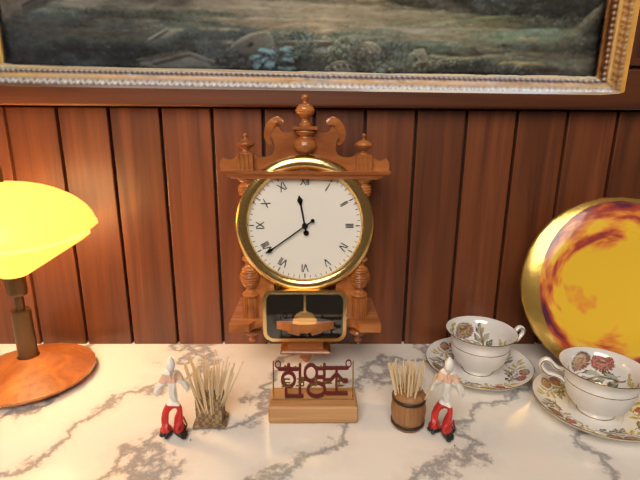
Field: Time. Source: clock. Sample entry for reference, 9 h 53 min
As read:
11 h 39 min
